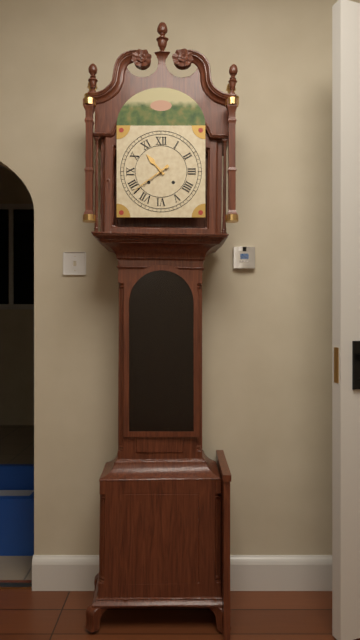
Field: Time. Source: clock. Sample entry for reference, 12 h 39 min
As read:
10 h 39 min
